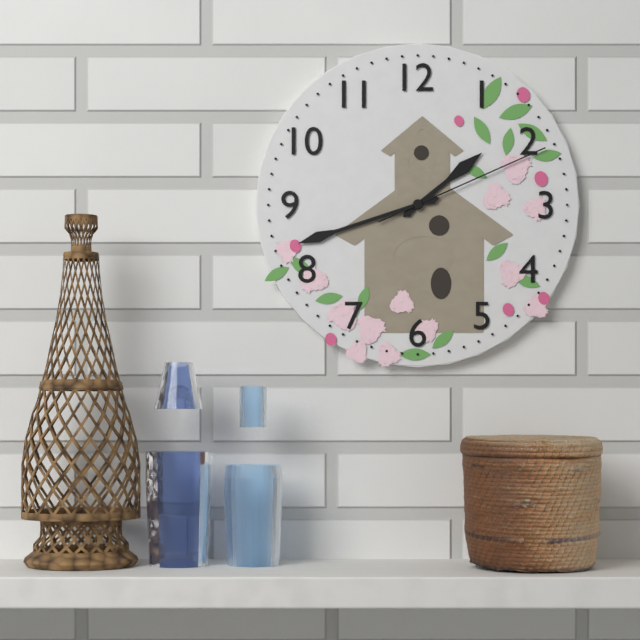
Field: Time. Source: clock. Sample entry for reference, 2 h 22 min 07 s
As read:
1 h 42 min 11 s
